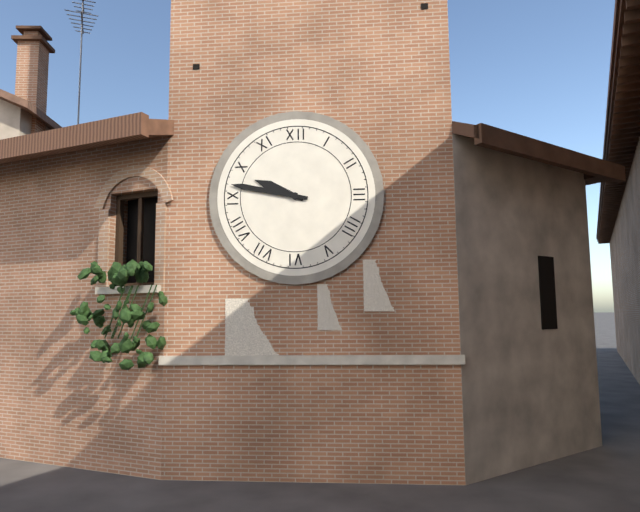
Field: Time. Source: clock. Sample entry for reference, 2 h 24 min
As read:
9 h 47 min
